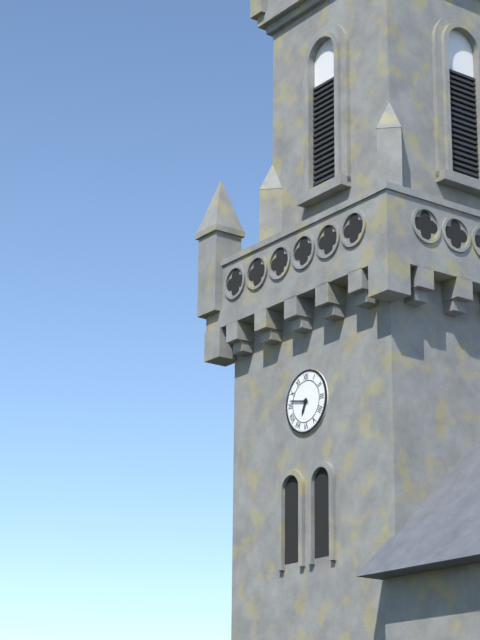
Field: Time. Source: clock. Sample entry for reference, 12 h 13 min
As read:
6 h 47 min
